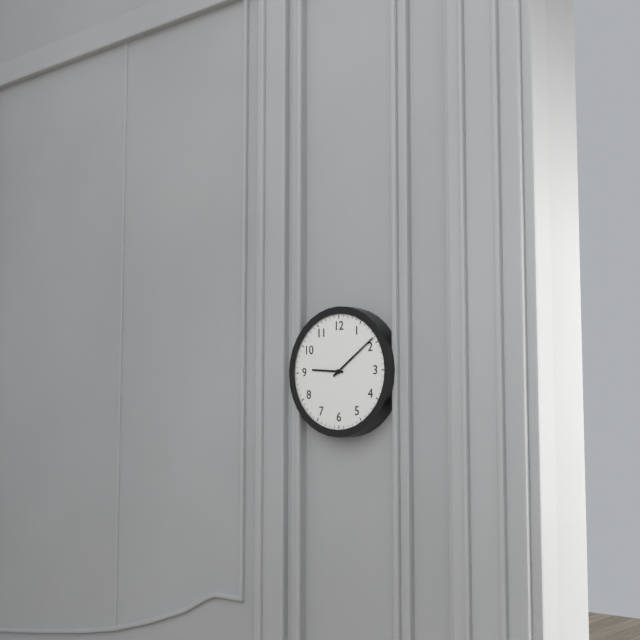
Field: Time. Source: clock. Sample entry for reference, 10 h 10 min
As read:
9 h 09 min
